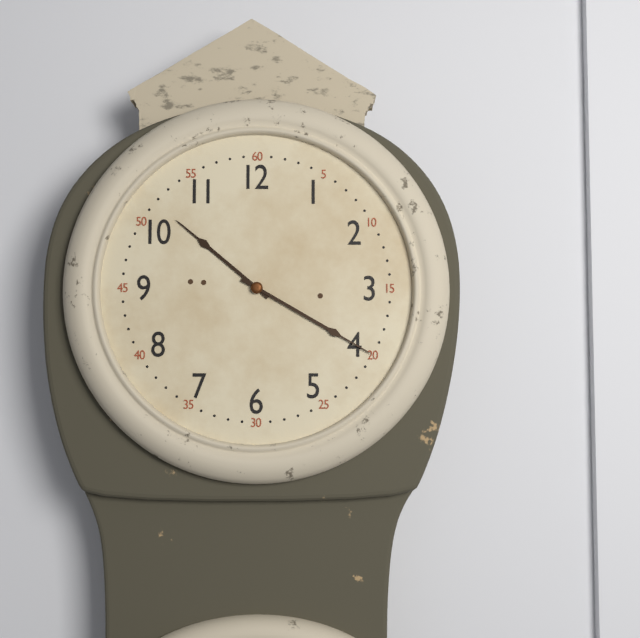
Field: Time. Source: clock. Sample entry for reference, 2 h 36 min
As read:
10 h 20 min
